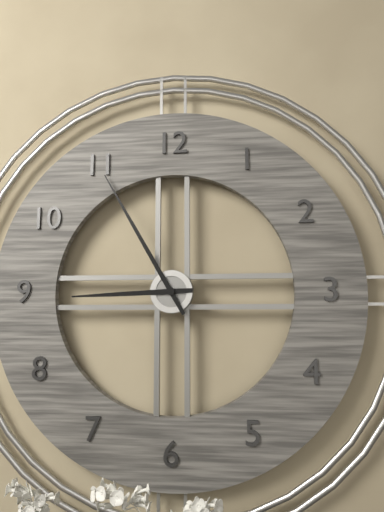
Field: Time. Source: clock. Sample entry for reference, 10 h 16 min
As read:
8 h 55 min
